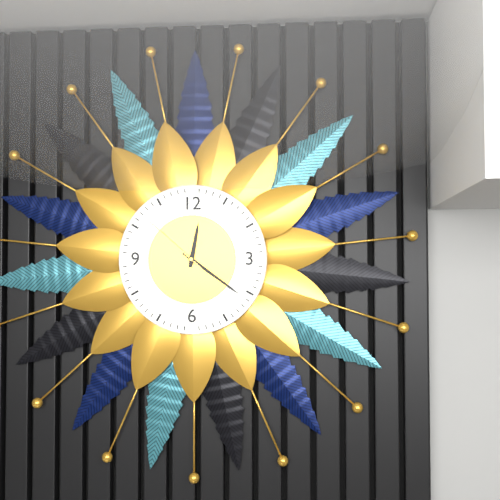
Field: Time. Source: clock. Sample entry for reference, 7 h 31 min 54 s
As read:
12 h 21 min 52 s
